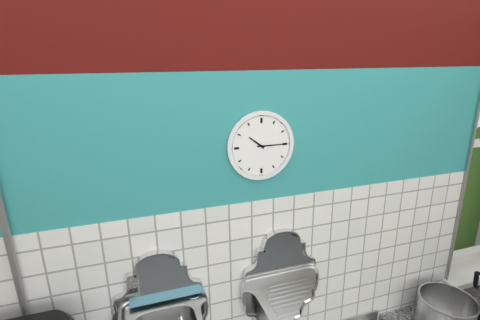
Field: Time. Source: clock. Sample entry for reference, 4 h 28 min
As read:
10 h 15 min
